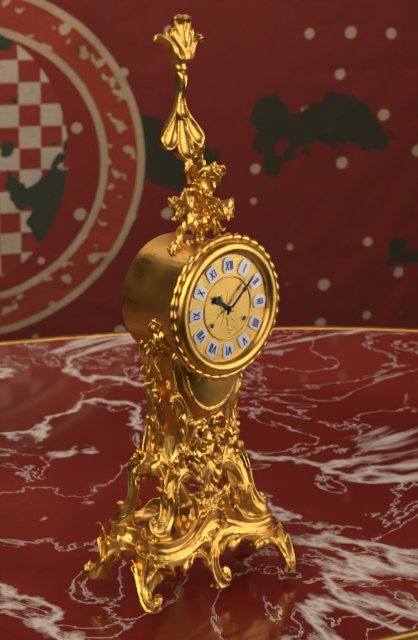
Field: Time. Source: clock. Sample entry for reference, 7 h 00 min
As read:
10 h 08 min
